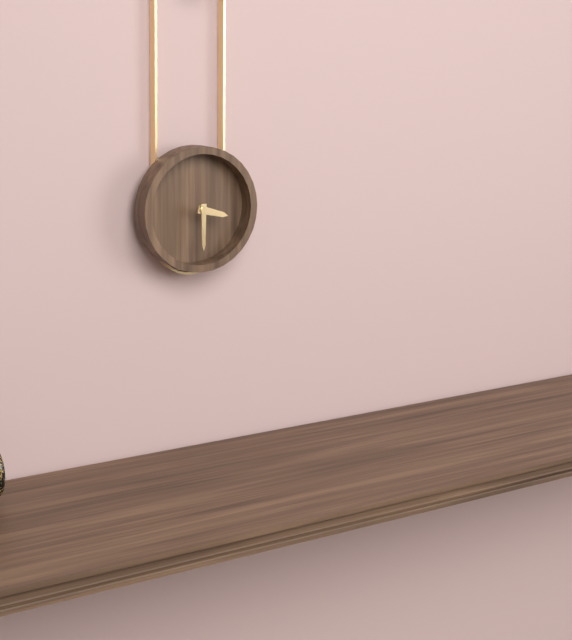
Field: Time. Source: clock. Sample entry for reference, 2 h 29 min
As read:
3 h 30 min
